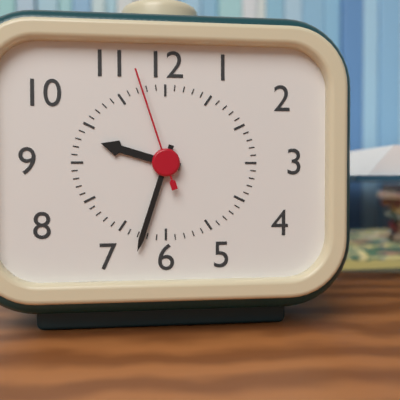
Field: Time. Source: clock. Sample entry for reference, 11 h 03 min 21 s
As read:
9 h 33 min 57 s
